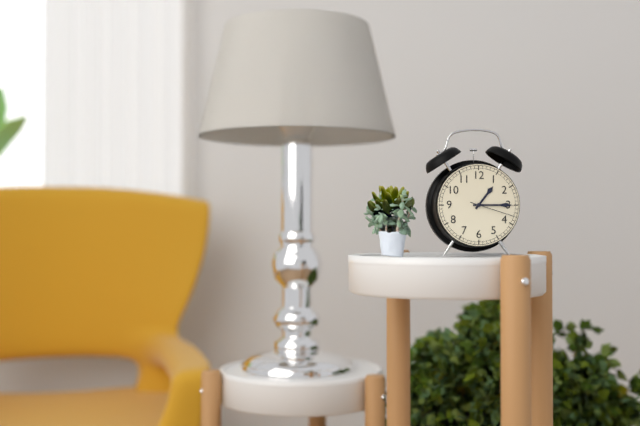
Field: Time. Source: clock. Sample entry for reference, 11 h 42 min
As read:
1 h 15 min
